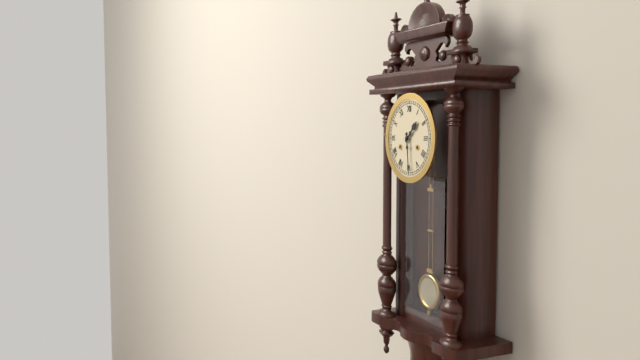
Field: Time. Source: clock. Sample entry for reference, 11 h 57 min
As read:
1 h 29 min
